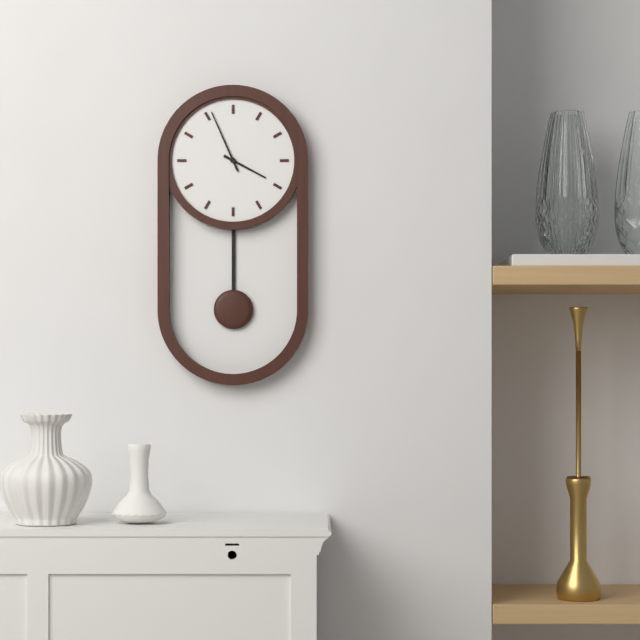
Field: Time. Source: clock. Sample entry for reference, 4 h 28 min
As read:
3 h 56 min
